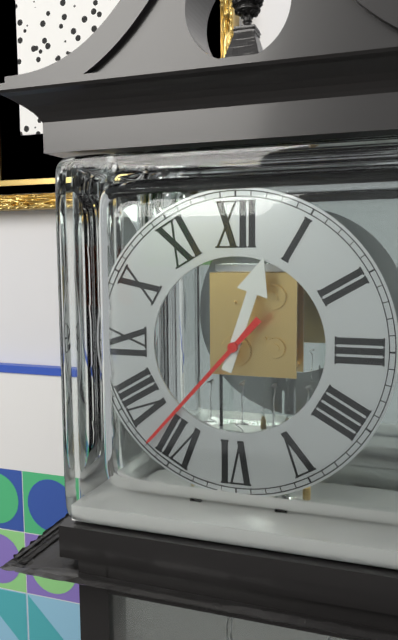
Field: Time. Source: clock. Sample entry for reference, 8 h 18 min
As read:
12 h 37 min
